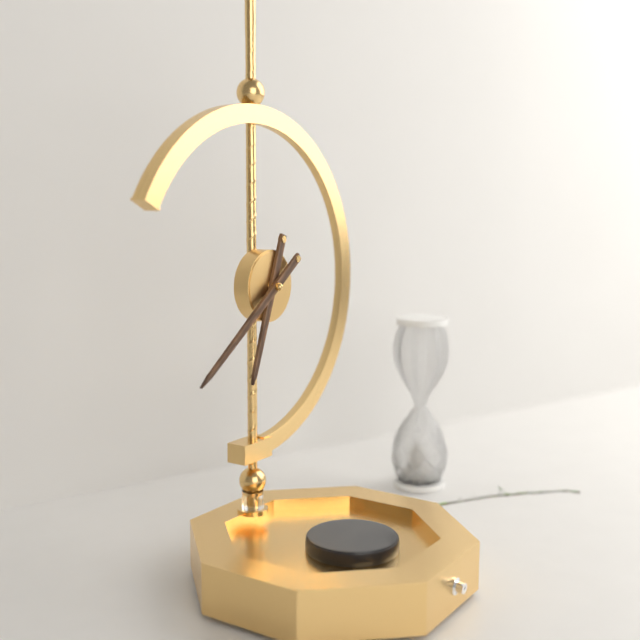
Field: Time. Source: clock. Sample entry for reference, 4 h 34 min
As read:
6 h 39 min
